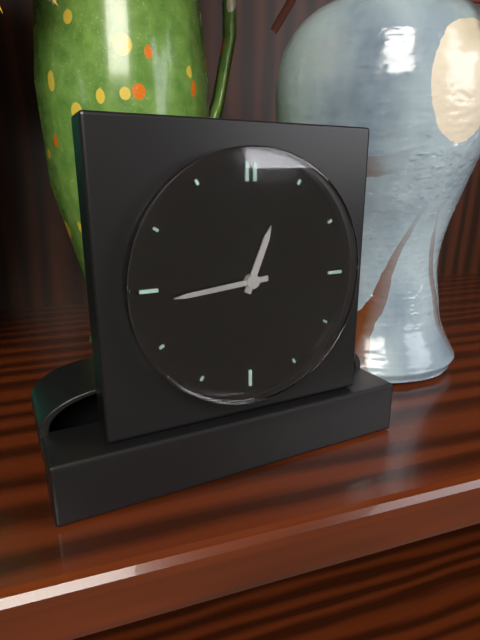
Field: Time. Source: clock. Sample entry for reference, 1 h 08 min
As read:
12 h 44 min
